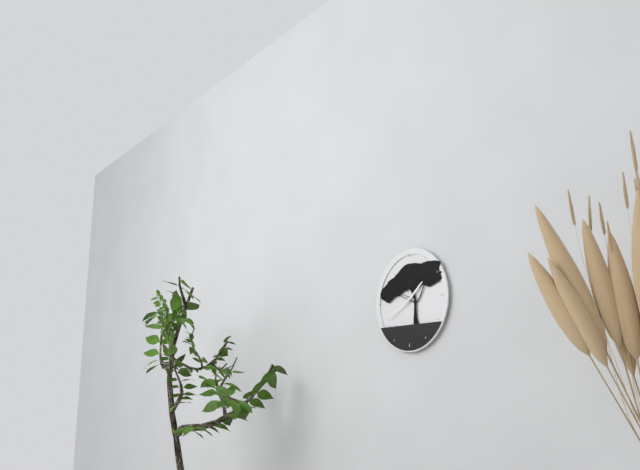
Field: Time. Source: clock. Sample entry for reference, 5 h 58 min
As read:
1 h 40 min
